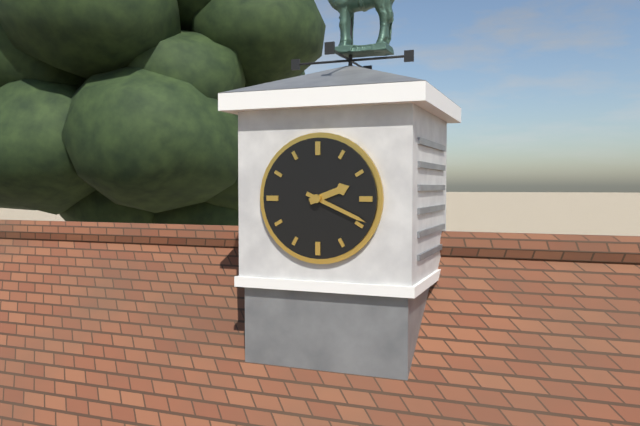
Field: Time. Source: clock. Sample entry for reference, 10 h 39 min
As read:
2 h 19 min
